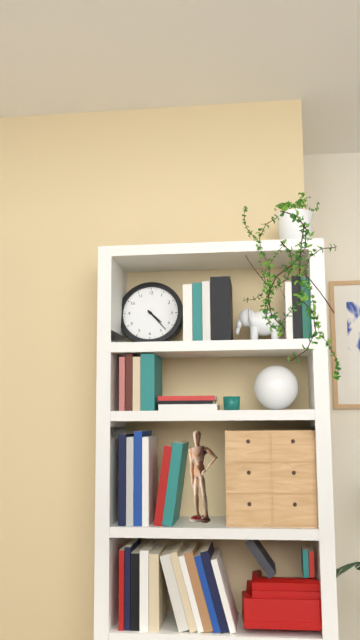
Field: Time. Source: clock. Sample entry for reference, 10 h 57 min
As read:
4 h 23 min
